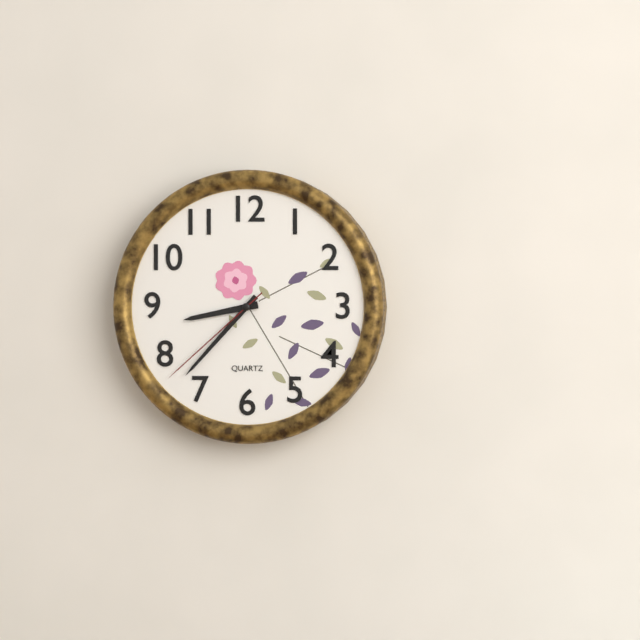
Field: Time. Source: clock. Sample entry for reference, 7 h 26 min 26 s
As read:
8 h 37 min 38 s
